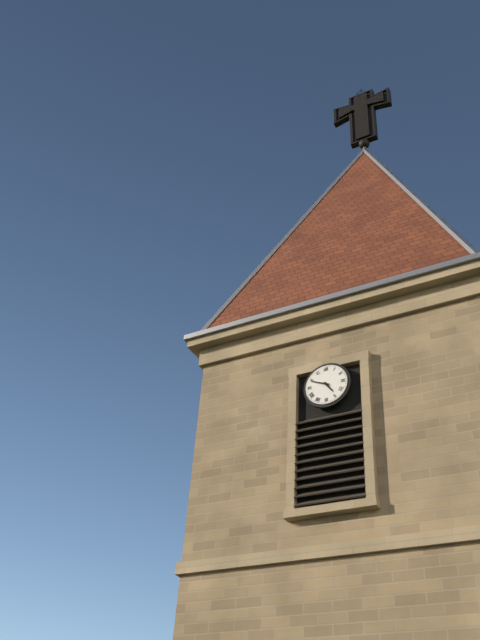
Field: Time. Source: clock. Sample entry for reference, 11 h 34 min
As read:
4 h 49 min
